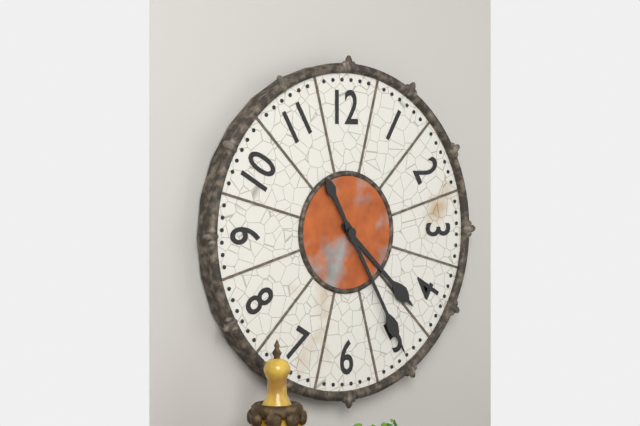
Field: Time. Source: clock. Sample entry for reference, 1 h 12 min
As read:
4 h 25 min
